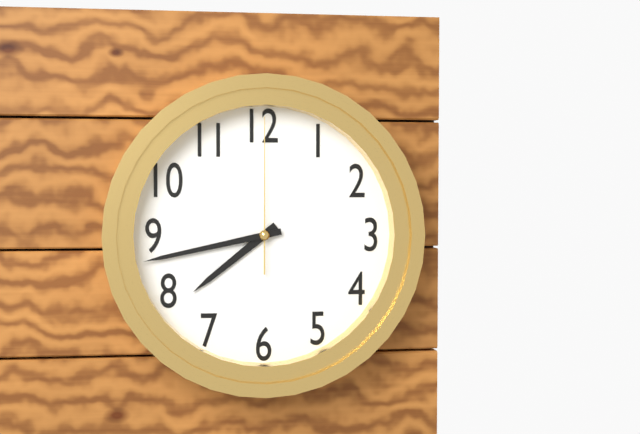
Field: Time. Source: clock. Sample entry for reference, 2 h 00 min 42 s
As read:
7 h 43 min 00 s
